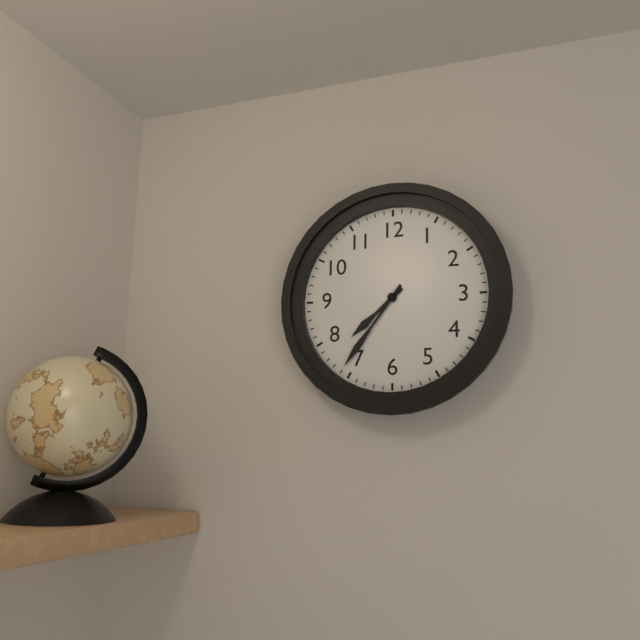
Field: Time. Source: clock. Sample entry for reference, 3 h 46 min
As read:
7 h 36 min
